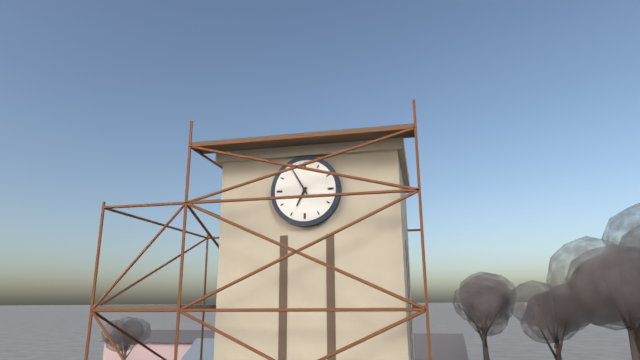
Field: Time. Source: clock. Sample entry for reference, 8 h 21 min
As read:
6 h 55 min
